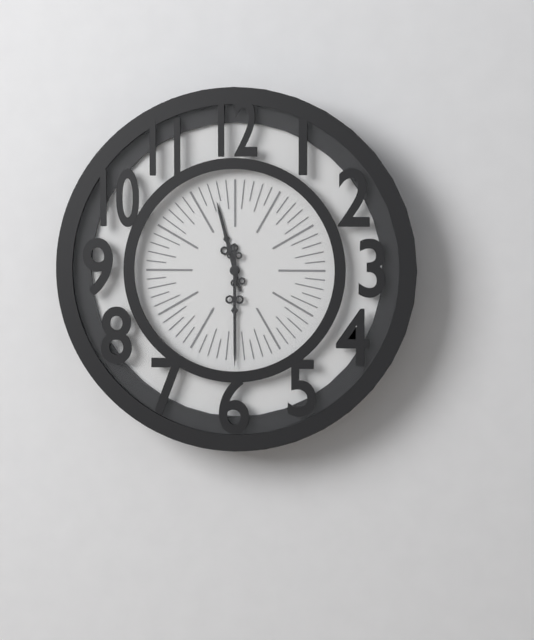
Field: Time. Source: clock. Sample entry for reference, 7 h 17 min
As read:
11 h 30 min
